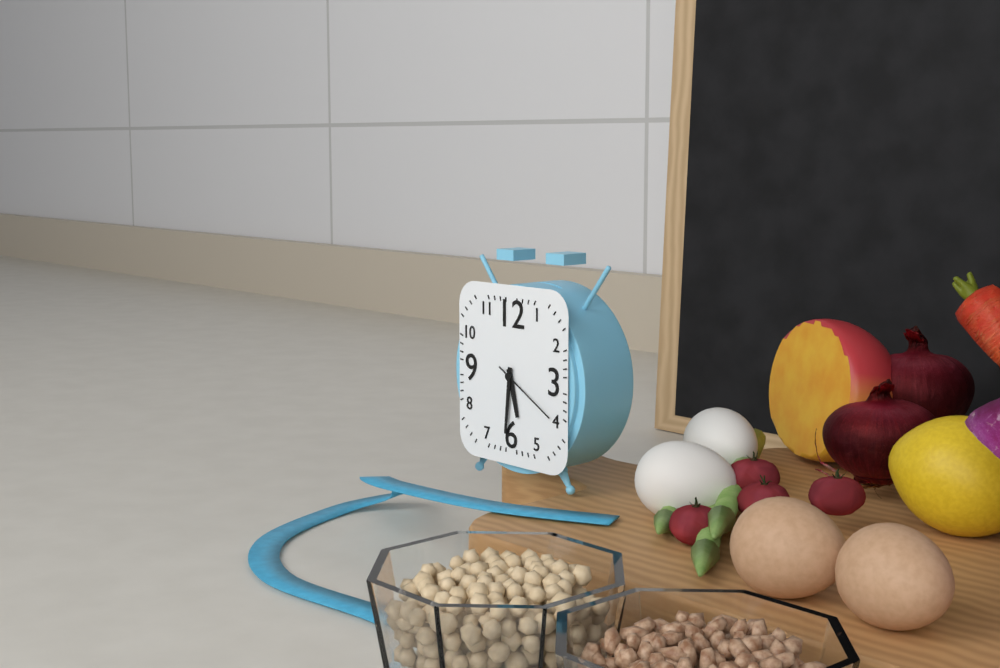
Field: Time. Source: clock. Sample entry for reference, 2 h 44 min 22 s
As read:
5 h 31 min 20 s
